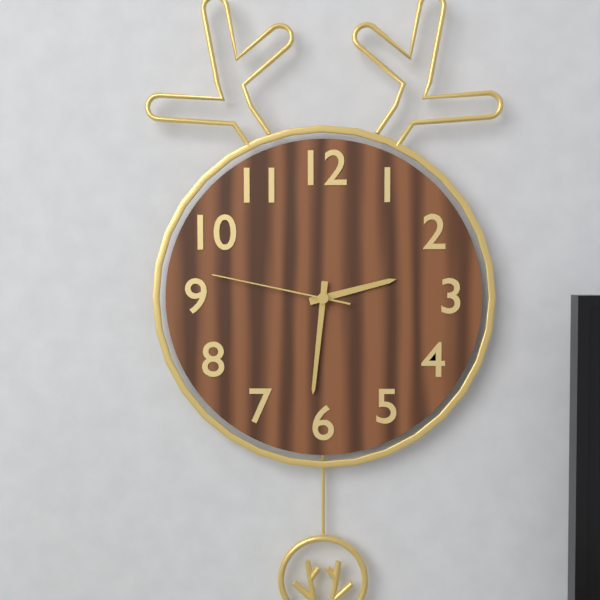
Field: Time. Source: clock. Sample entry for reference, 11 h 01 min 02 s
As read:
2 h 31 min 47 s
